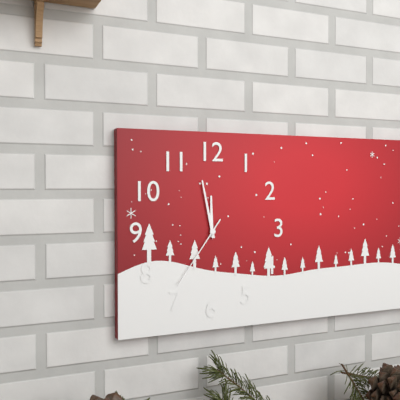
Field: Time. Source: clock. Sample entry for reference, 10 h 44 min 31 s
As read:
11 h 58 min 36 s
